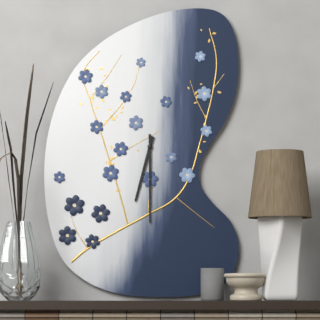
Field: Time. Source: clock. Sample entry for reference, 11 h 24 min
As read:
6 h 30 min
